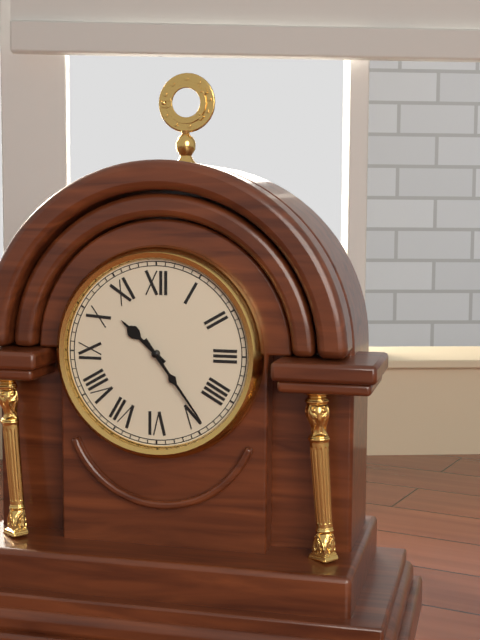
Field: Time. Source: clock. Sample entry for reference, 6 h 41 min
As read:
10 h 24 min
